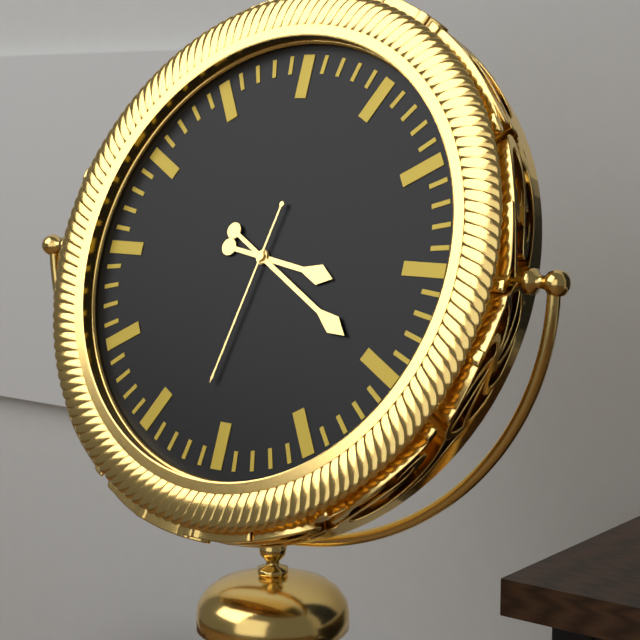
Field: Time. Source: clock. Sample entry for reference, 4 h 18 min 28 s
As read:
3 h 20 min 32 s
